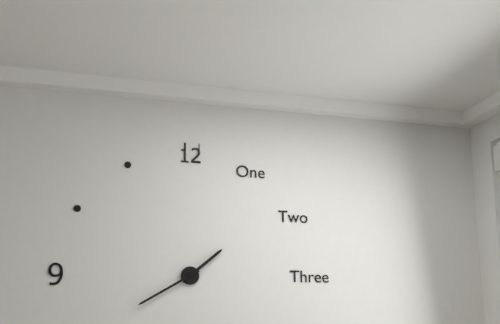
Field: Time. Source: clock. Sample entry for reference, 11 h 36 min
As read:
1 h 40 min
